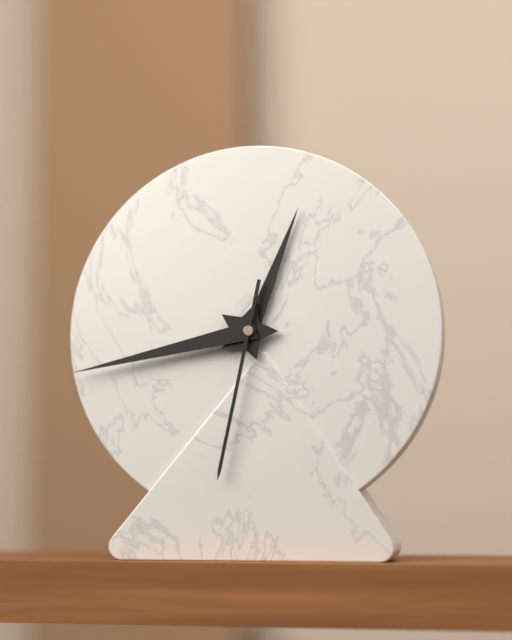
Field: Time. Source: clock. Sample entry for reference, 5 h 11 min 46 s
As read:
12 h 43 min 32 s
